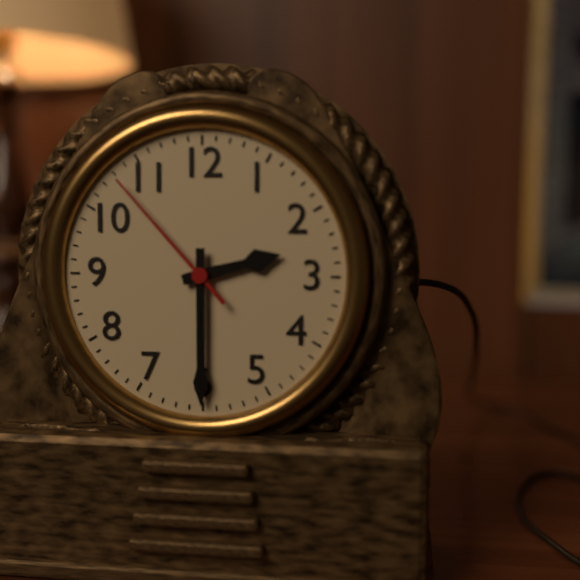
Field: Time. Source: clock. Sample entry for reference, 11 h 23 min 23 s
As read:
2 h 30 min 53 s
